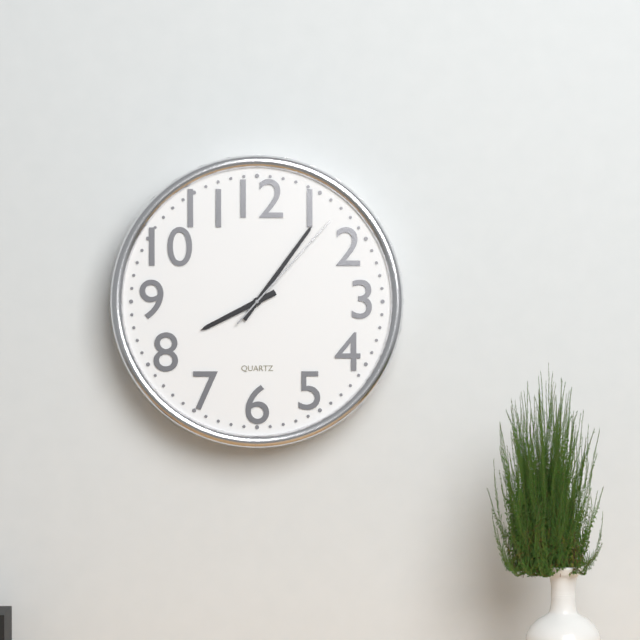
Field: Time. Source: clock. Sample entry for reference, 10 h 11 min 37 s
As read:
8 h 06 min 07 s
